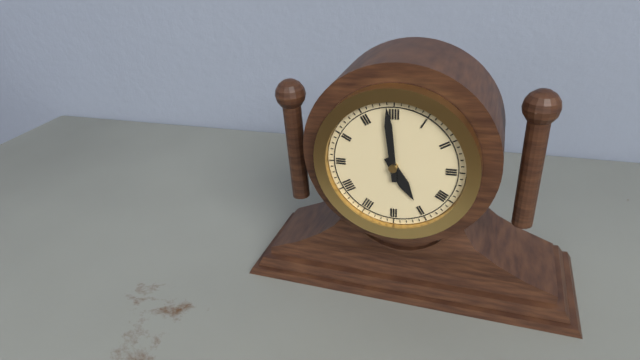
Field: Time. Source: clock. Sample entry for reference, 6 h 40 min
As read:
4 h 59 min
